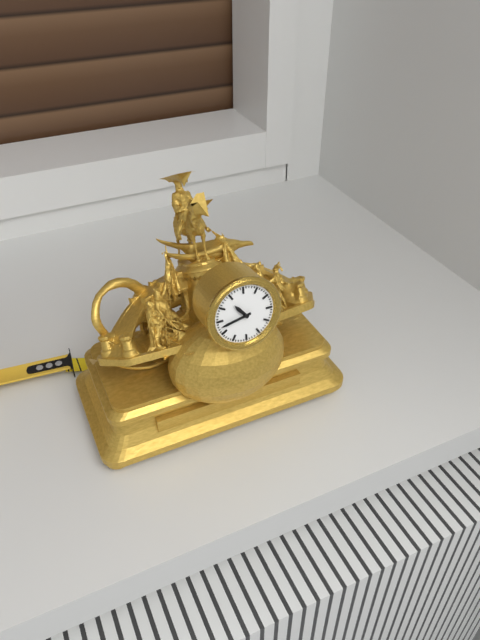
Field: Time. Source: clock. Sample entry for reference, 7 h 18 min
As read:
10 h 43 min
